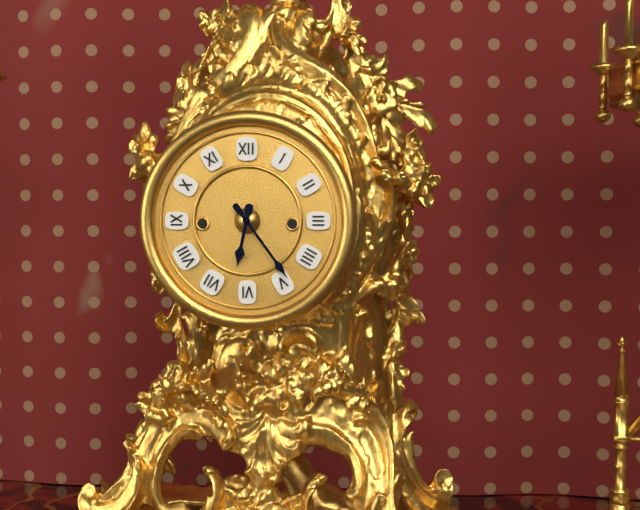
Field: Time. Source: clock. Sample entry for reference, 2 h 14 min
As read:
6 h 24 min
